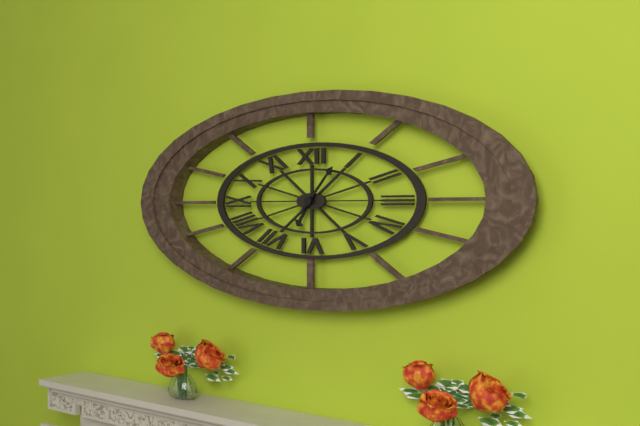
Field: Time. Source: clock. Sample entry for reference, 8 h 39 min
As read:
7 h 07 min
